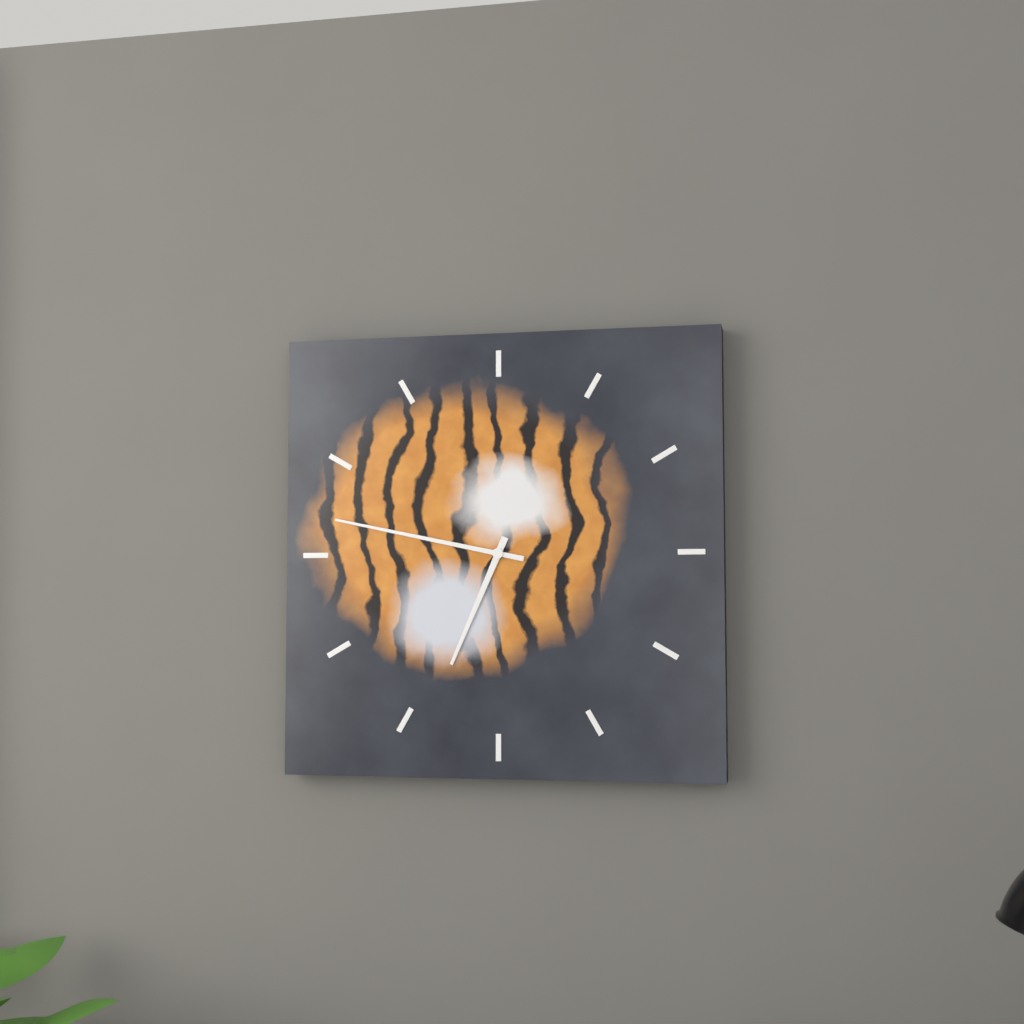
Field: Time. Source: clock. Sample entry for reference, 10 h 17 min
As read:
6 h 47 min
